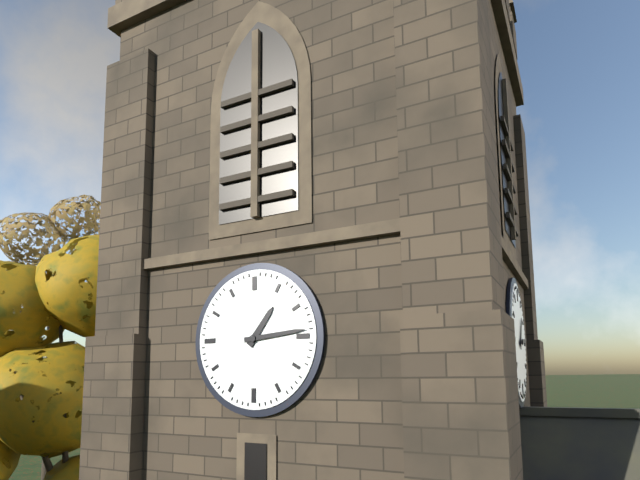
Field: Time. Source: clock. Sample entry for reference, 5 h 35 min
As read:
1 h 14 min
